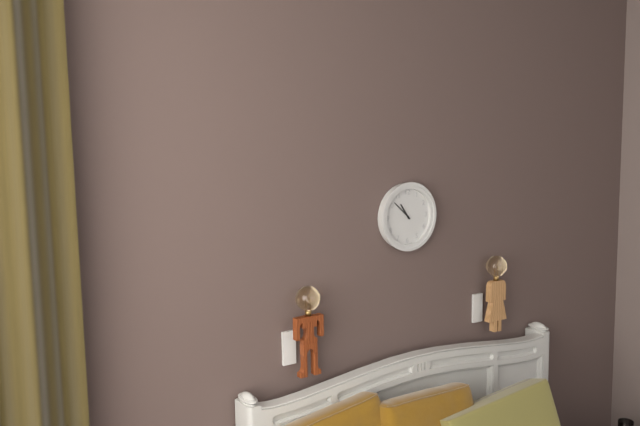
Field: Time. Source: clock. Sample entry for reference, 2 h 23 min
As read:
10 h 52 min
